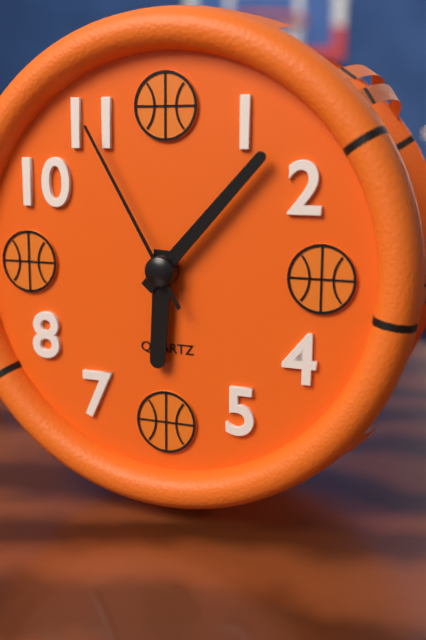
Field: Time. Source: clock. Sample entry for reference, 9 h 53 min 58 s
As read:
6 h 07 min 55 s
